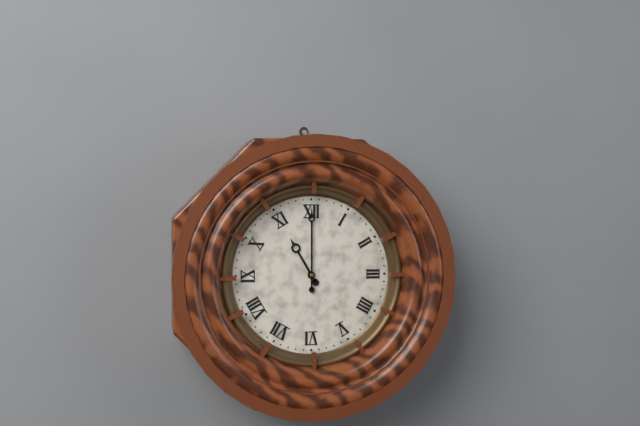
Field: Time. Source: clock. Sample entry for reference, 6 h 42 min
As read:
11 h 00 min
